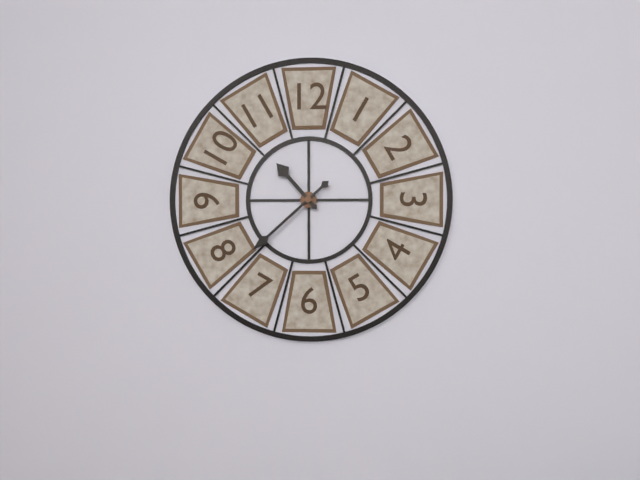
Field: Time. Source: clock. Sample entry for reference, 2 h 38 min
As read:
10 h 38 min
